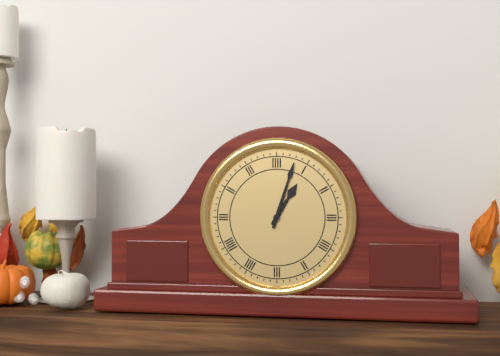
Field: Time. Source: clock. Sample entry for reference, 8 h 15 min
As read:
1 h 03 min
